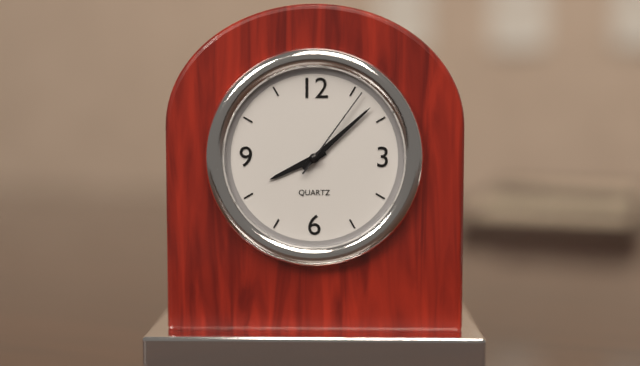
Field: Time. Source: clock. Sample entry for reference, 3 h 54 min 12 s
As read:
8 h 08 min 06 s
